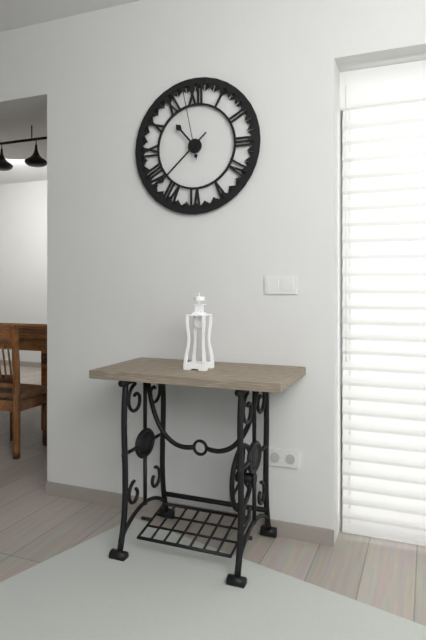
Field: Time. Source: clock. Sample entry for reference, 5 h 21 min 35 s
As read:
10 h 38 min 58 s
